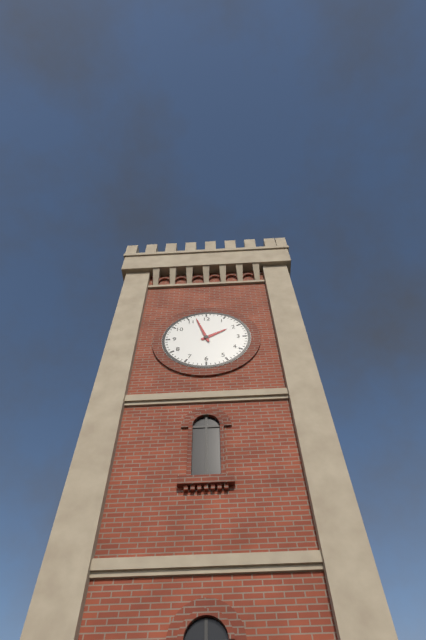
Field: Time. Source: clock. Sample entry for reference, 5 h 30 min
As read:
1 h 57 min
